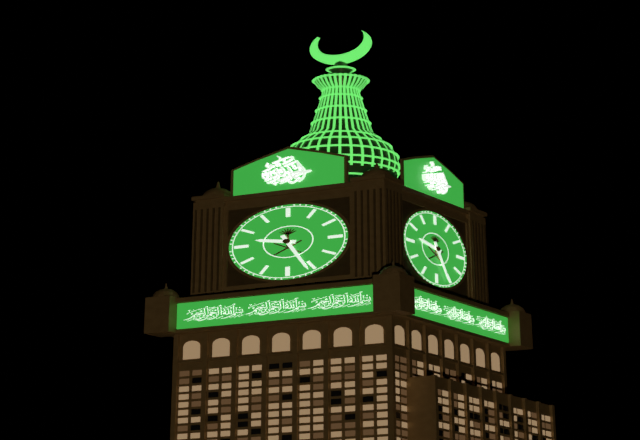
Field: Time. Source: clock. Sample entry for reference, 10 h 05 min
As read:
9 h 26 min
